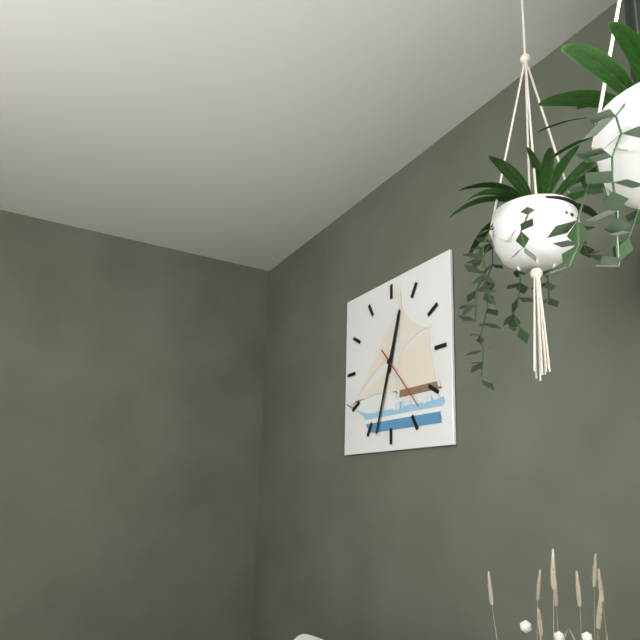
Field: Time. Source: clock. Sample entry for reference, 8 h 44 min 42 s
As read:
12 h 33 min 23 s
